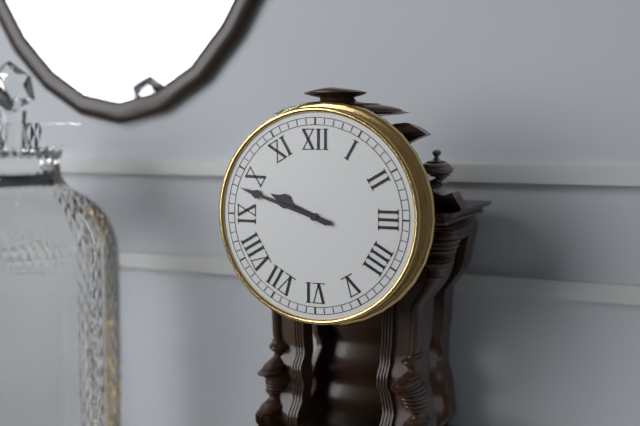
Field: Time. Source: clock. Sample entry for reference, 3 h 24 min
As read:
9 h 48 min
